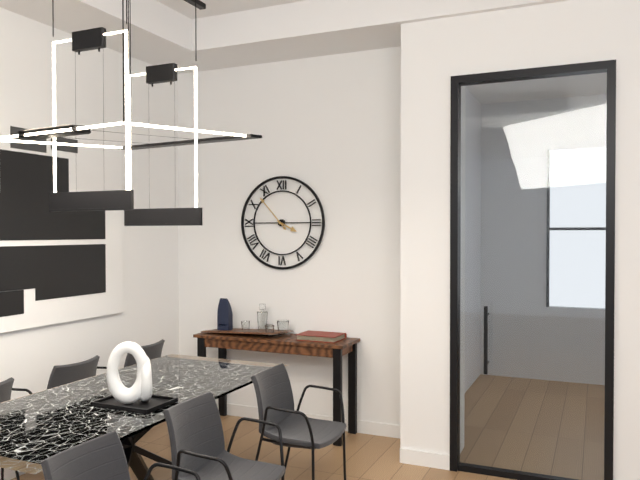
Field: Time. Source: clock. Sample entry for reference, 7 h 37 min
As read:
3 h 53 min
